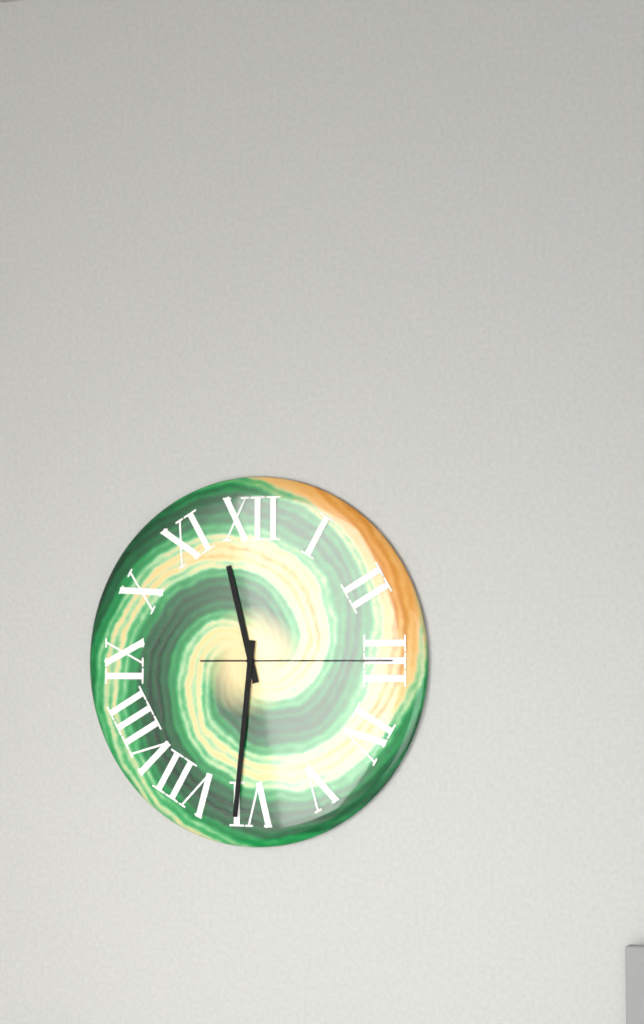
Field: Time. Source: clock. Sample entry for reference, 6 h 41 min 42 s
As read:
11 h 31 min 15 s
